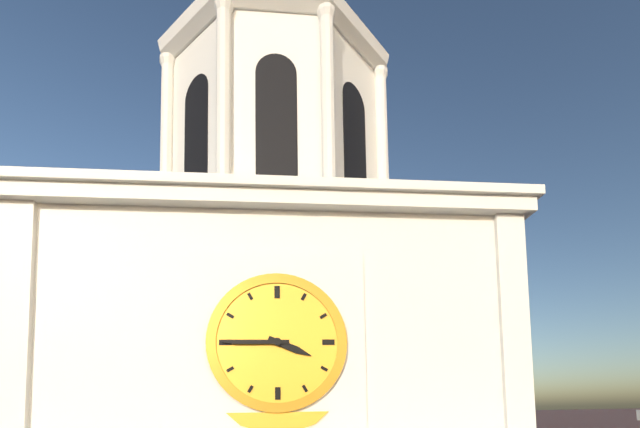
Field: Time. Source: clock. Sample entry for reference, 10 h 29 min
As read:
3 h 45 min
